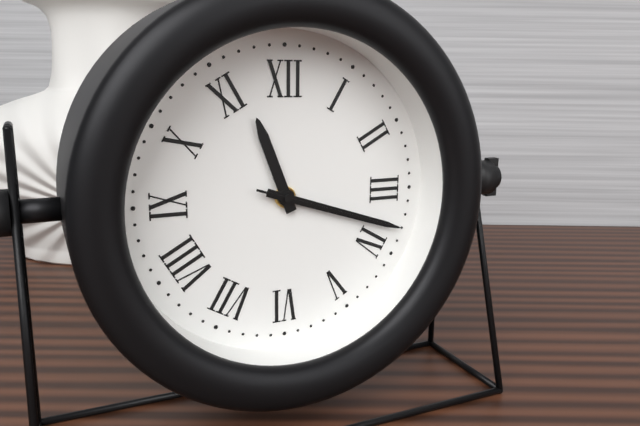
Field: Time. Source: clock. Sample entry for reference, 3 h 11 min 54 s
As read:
11 h 18 min 18 s
